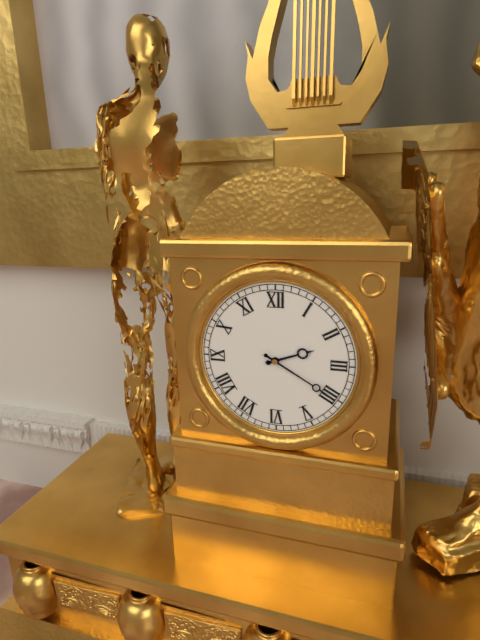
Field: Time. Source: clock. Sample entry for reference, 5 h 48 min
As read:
2 h 20 min
